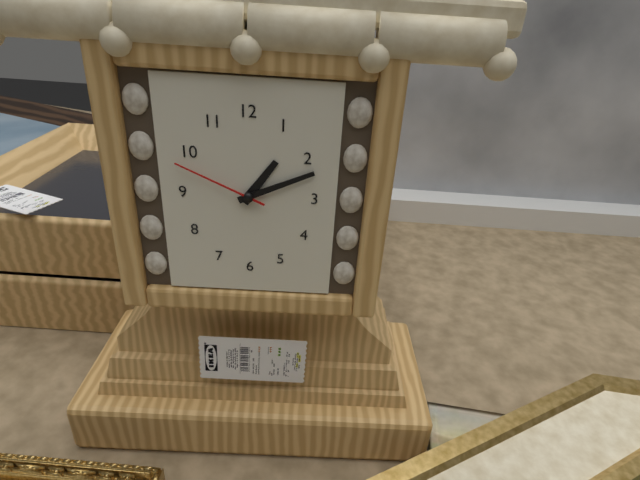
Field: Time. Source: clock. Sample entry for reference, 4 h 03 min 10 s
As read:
1 h 11 min 49 s
